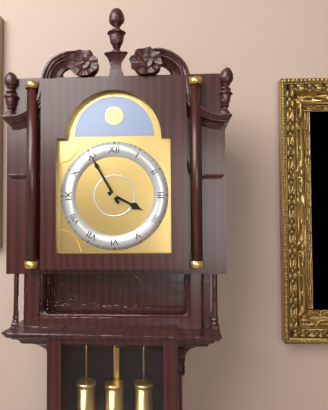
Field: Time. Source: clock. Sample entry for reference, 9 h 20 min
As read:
3 h 55 min
